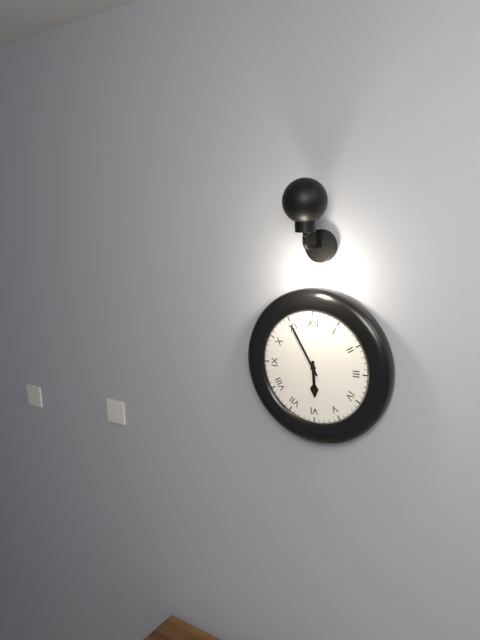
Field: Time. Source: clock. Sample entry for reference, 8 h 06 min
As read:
5 h 55 min
